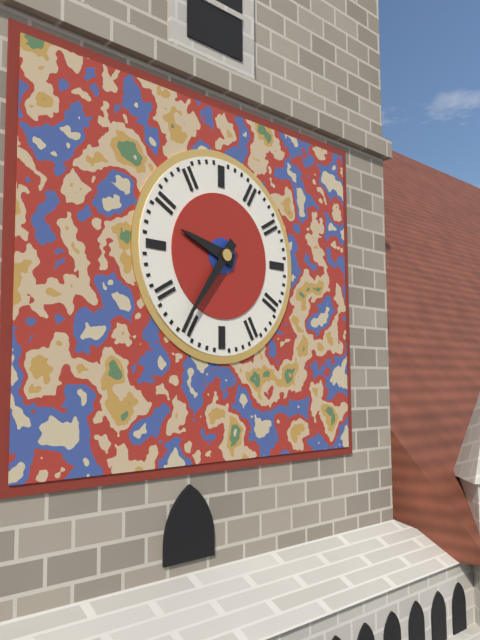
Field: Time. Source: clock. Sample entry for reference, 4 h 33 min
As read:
9 h 36 min
